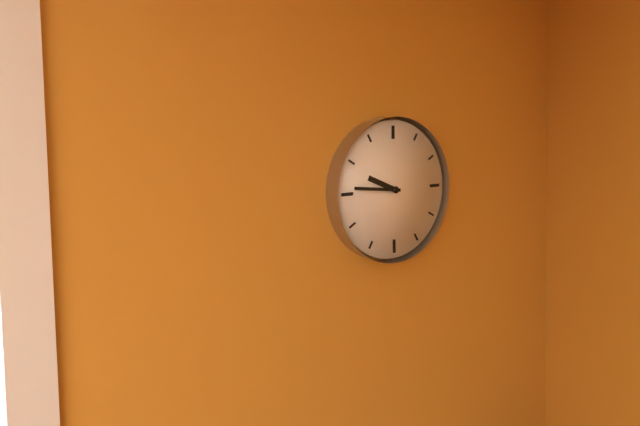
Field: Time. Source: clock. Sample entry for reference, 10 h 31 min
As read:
9 h 46 min
